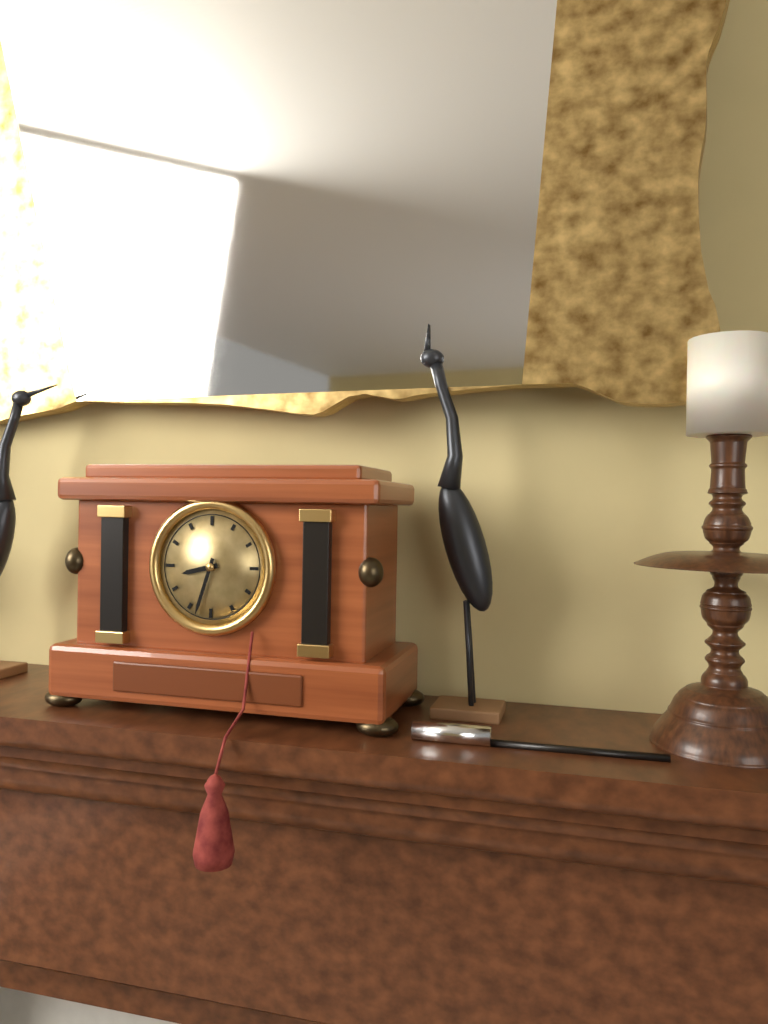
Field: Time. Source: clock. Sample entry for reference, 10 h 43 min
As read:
8 h 33 min
